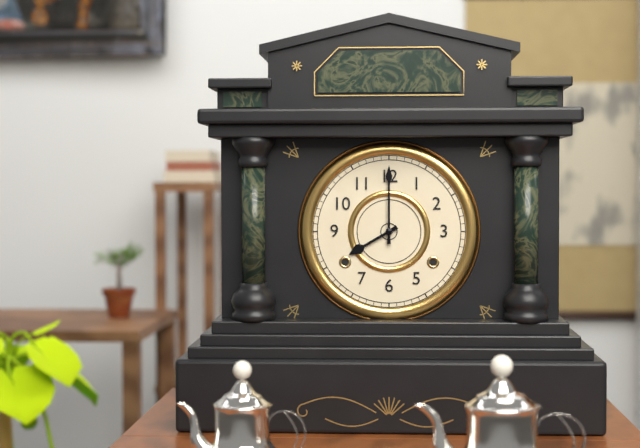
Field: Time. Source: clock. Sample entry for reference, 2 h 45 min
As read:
8 h 00 min
